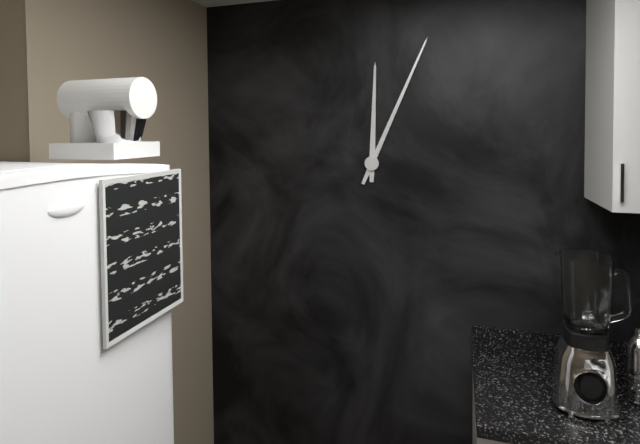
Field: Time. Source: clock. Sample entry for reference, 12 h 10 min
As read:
12 h 04 min
